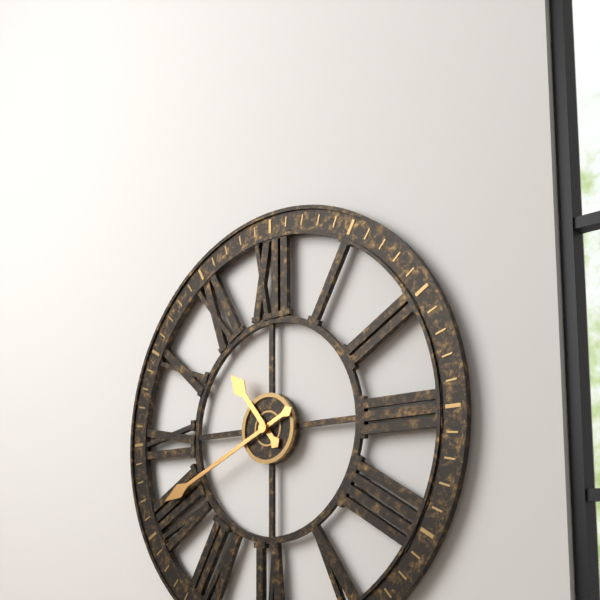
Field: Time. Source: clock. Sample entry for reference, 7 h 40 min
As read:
10 h 41 min
